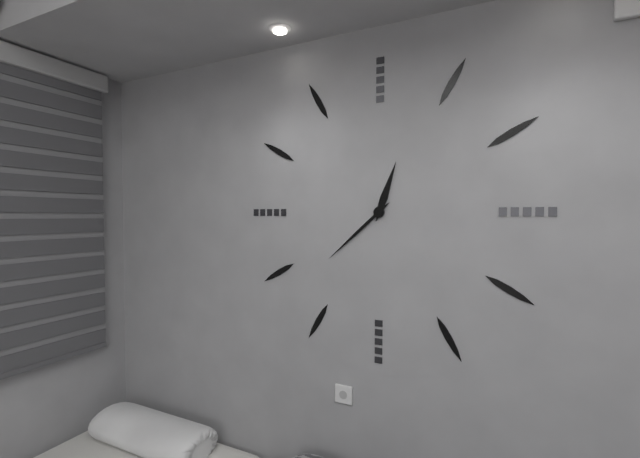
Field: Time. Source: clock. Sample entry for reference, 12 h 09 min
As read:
12 h 38 min
